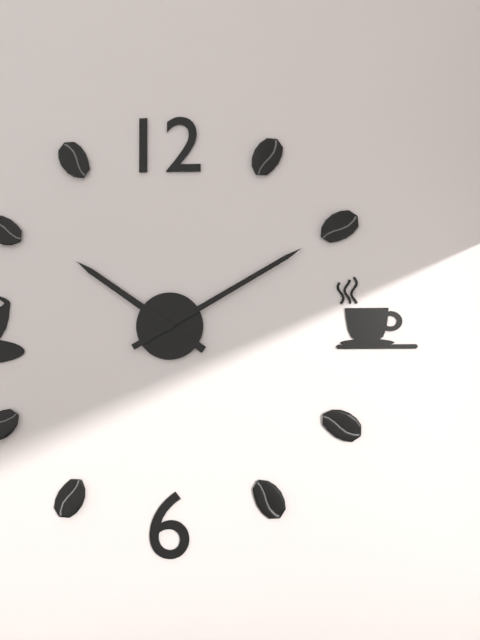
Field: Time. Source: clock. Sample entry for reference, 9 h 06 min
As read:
10 h 10 min
